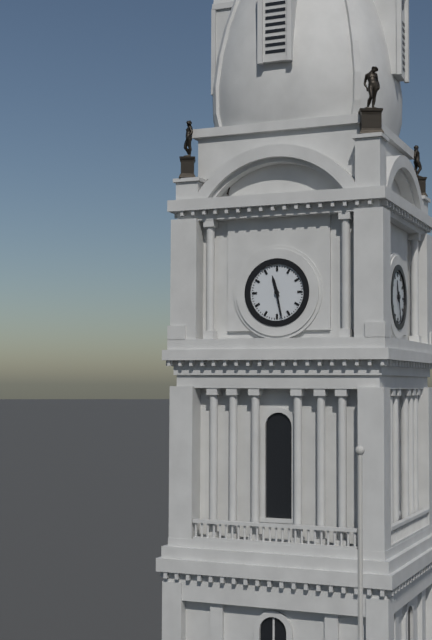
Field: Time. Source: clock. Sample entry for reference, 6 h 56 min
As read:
11 h 28 min
